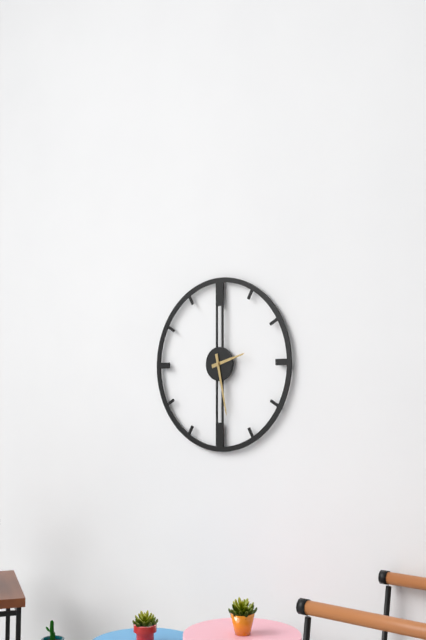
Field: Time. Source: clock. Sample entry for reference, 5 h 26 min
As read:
2 h 28 min
